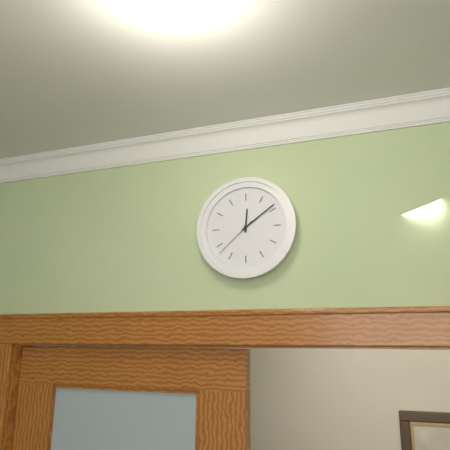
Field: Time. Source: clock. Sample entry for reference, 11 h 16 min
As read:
12 h 09 min
